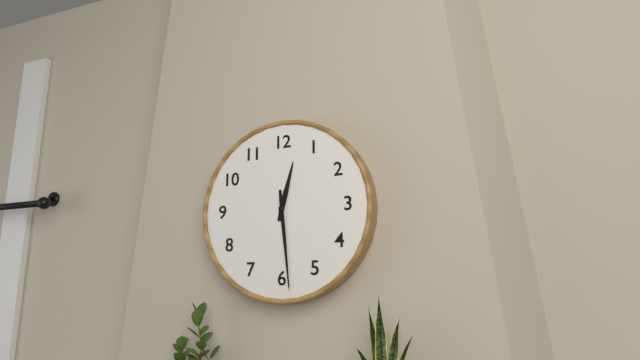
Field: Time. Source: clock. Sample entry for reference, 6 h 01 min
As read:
12 h 29 min
